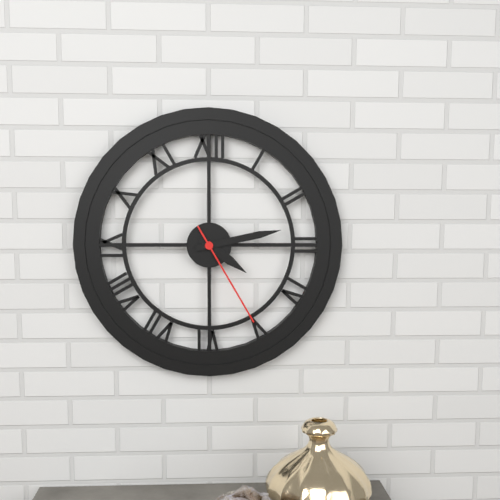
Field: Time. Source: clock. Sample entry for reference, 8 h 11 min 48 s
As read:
4 h 13 min 25 s
